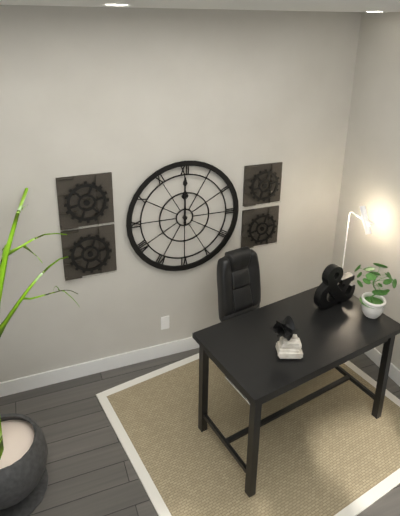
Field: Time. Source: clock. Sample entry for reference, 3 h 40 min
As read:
12 h 00 min
